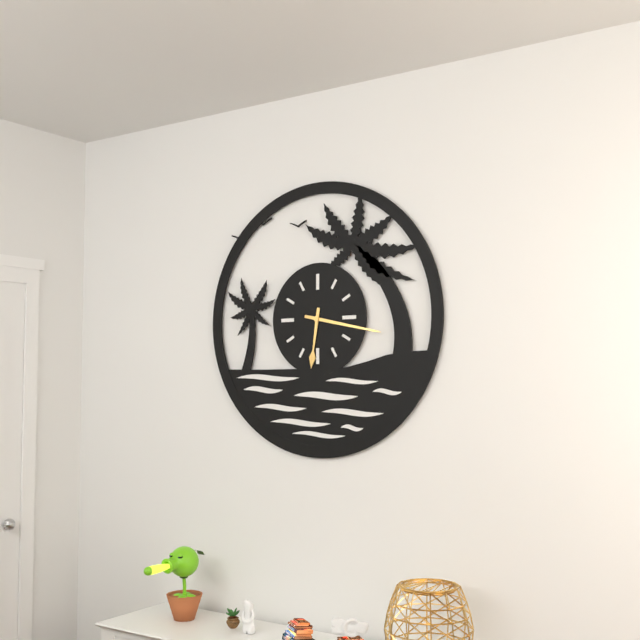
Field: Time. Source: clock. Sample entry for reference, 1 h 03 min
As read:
6 h 17 min
